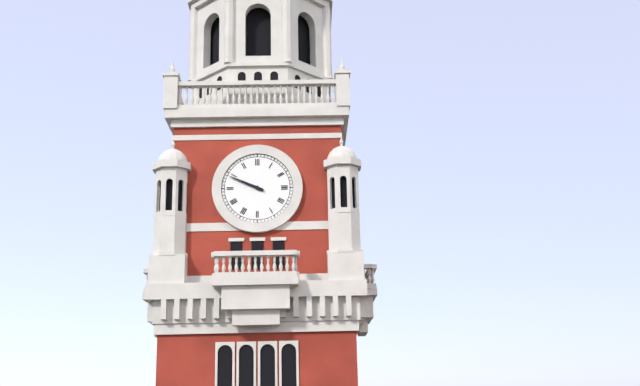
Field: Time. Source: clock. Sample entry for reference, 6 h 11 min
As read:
9 h 49 min
